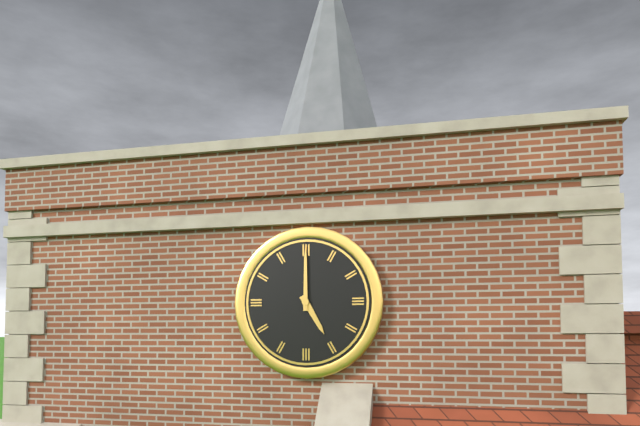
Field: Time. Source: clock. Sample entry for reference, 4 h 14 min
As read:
5 h 00 min
